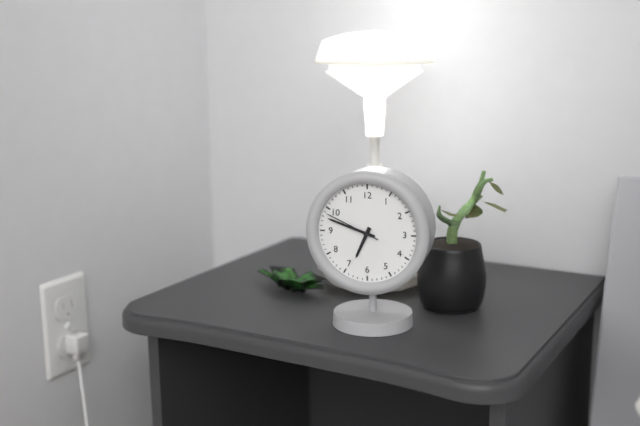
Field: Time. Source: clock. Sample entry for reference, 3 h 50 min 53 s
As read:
6 h 48 min 49 s
